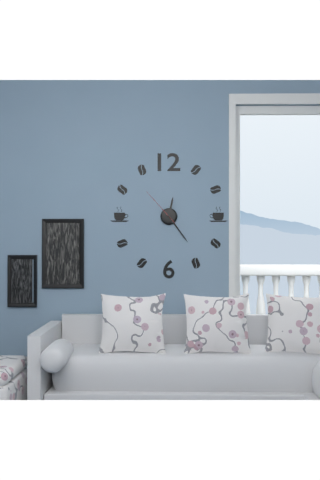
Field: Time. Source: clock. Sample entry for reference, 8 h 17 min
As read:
12 h 24 min
